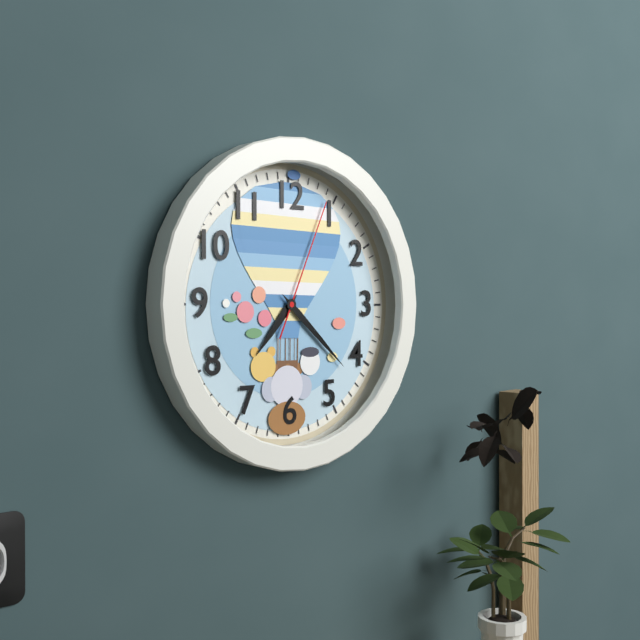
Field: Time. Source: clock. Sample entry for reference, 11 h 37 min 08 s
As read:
7 h 22 min 04 s
